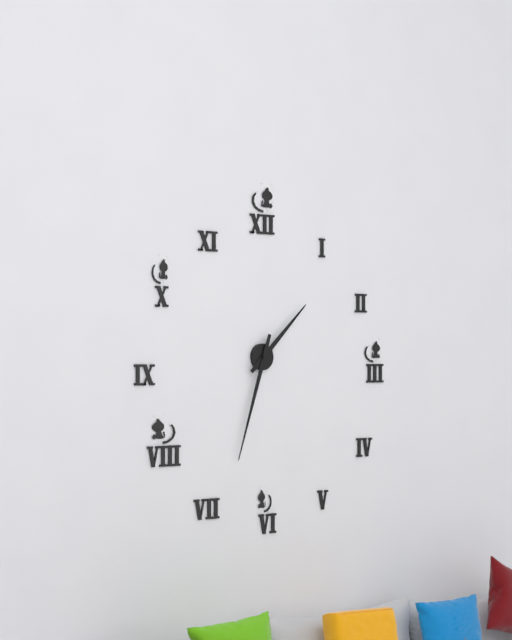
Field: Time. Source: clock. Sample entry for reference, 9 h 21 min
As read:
1 h 33 min
